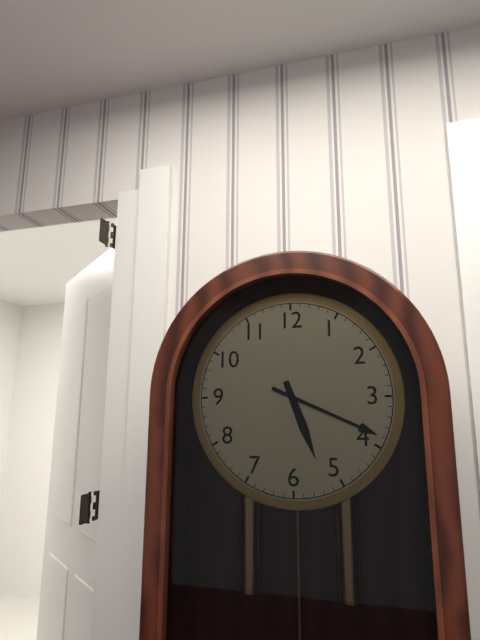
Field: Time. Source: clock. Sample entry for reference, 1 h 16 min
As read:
5 h 19 min
